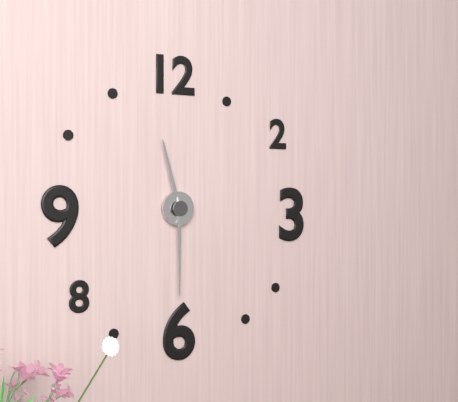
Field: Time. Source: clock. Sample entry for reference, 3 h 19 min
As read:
11 h 30 min
